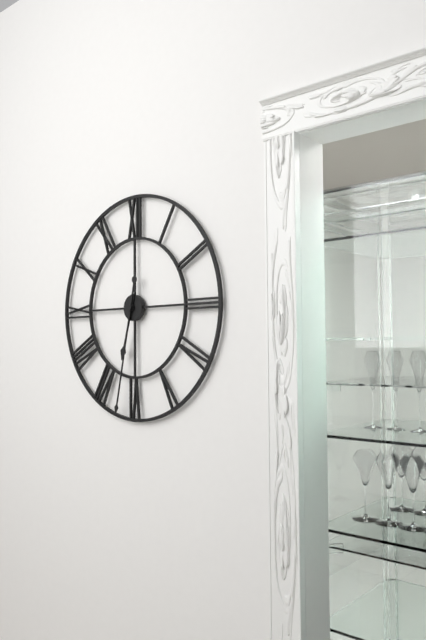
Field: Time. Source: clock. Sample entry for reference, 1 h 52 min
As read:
6 h 32 min
